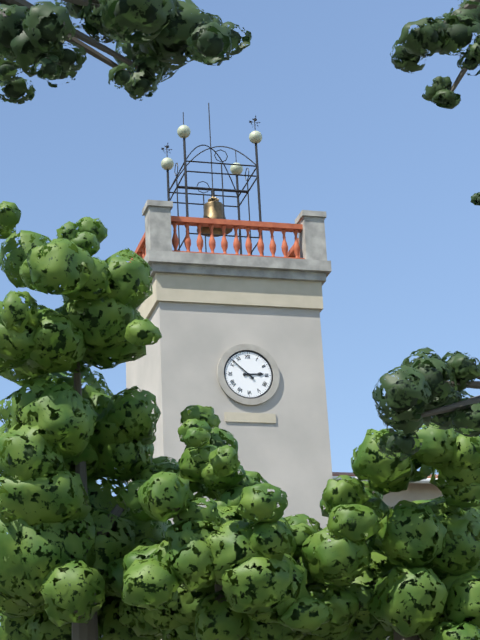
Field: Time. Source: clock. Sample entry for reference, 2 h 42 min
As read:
2 h 52 min
